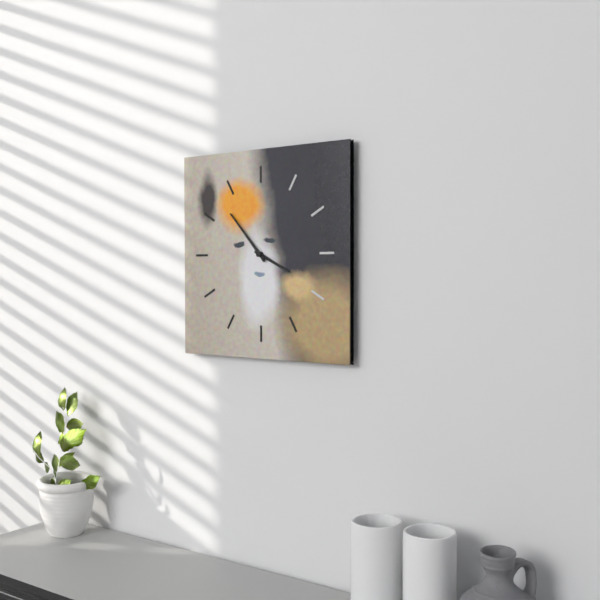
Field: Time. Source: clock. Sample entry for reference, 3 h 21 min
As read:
3 h 53 min
